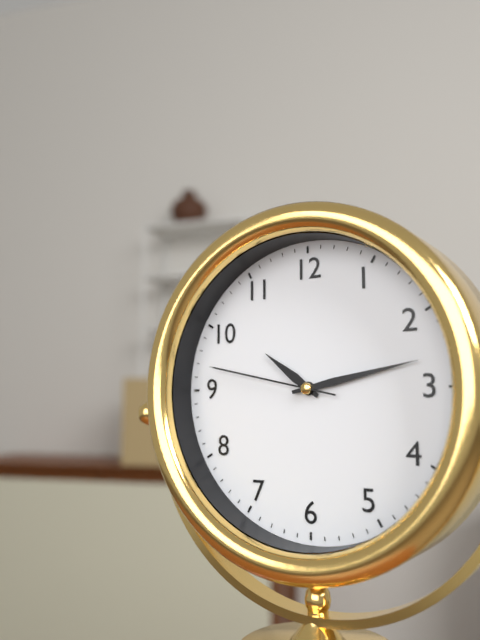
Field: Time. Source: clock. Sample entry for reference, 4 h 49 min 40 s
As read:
10 h 13 min 47 s
